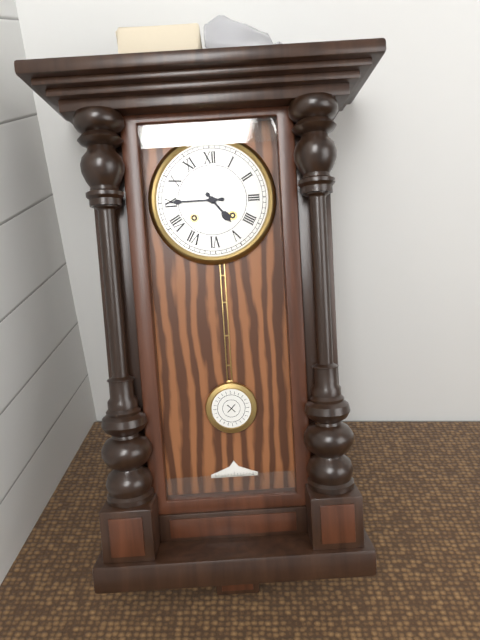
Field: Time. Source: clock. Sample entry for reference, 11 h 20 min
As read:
4 h 45 min
